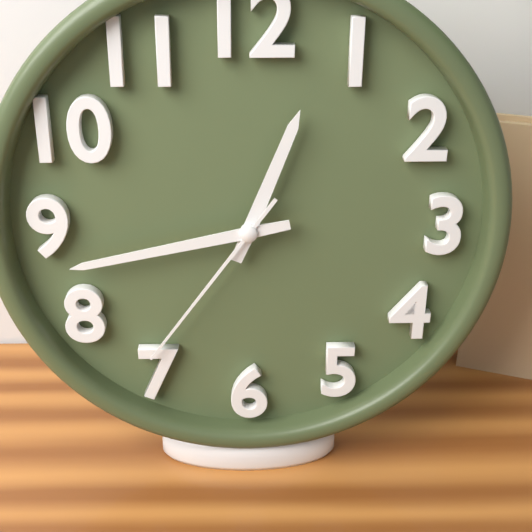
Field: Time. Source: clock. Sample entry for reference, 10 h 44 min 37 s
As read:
12 h 43 min 36 s
